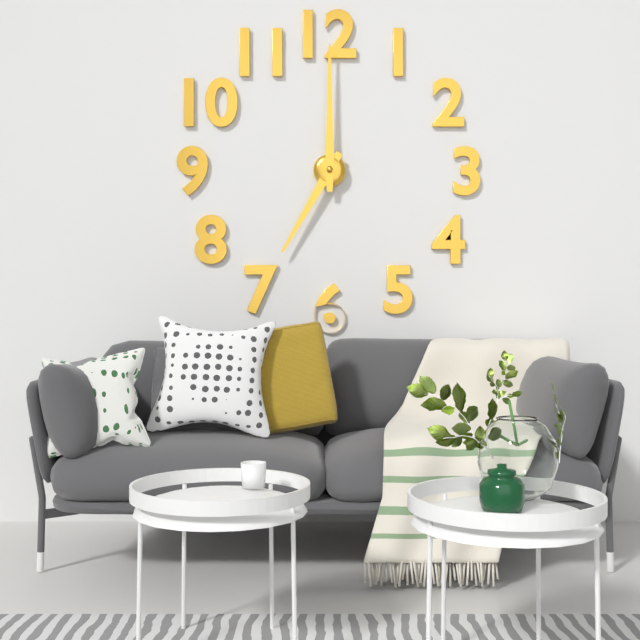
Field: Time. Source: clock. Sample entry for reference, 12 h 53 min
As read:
7 h 00 min
